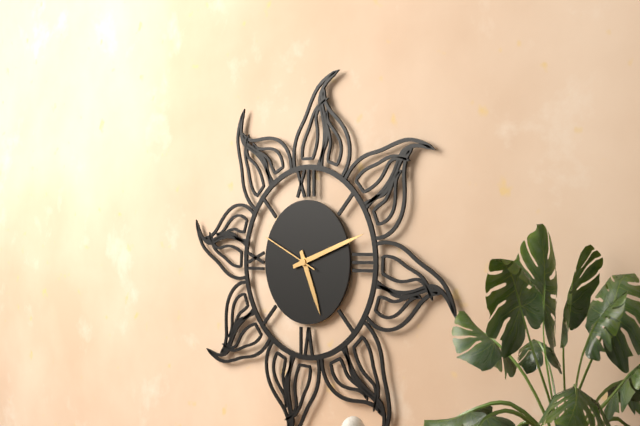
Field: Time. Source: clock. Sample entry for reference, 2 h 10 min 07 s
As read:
5 h 12 min 49 s
